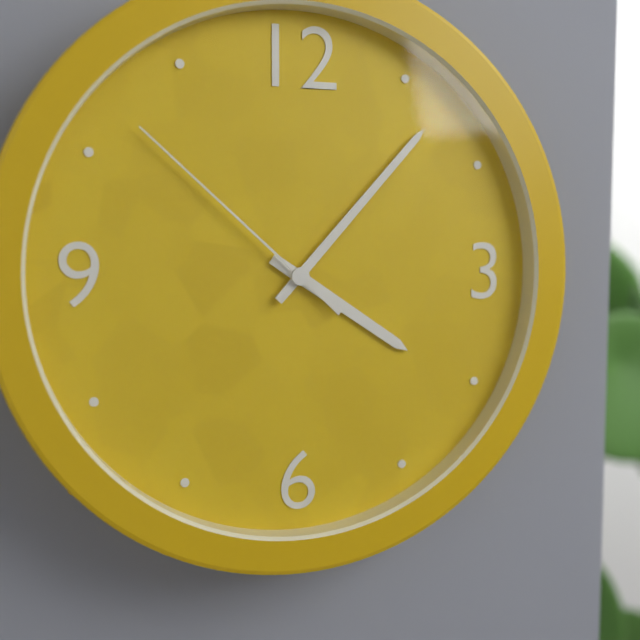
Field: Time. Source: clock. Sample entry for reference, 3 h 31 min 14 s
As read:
4 h 07 min 52 s
